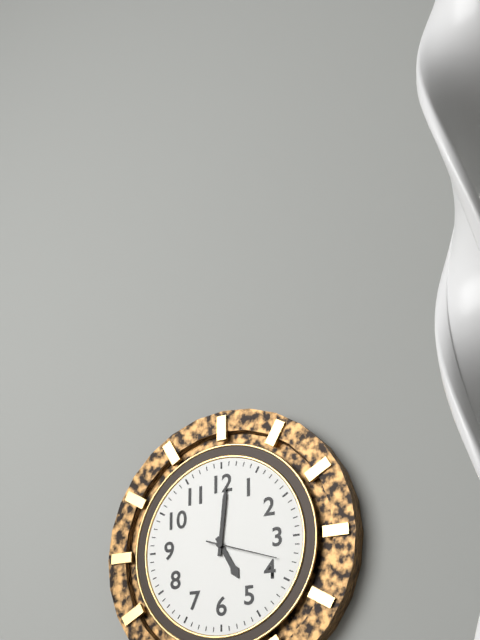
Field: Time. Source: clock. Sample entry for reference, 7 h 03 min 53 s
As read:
5 h 01 min 18 s
